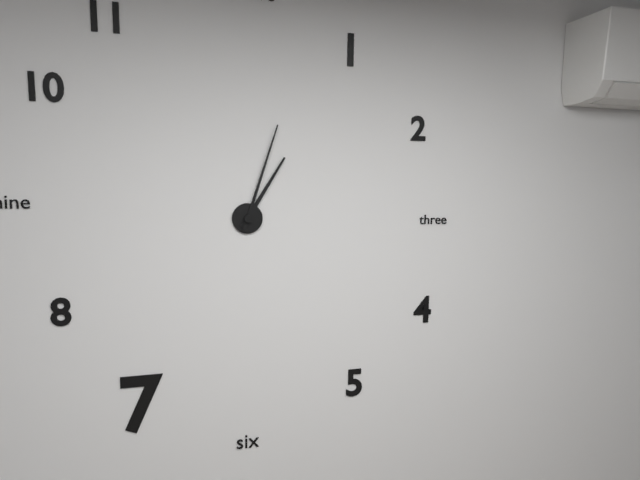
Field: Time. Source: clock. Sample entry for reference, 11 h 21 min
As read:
1 h 03 min
